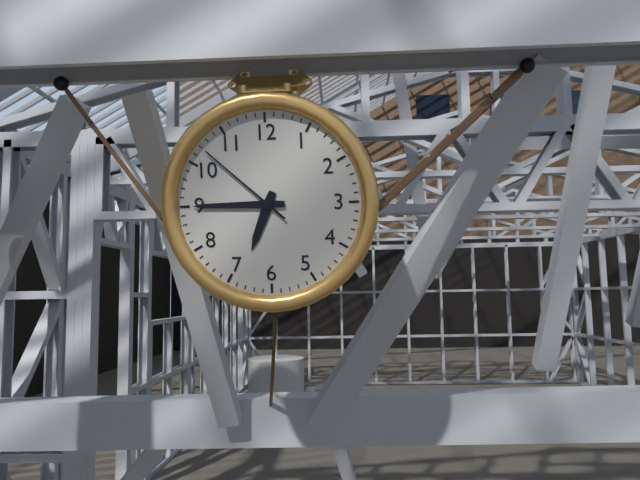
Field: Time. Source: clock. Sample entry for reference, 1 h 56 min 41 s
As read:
6 h 45 min 52 s
